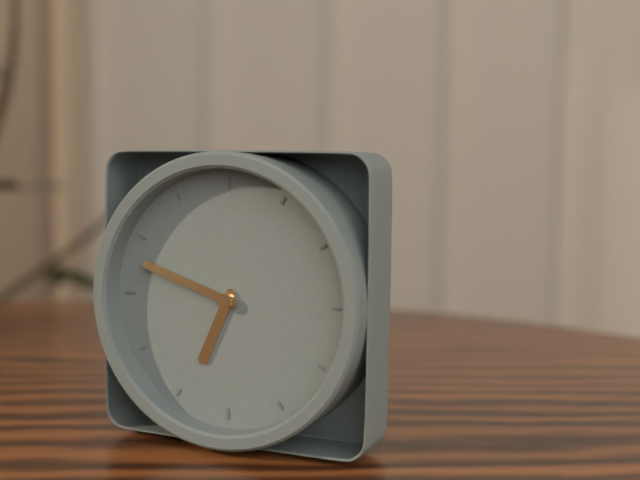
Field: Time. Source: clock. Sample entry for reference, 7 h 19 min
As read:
6 h 48 min
